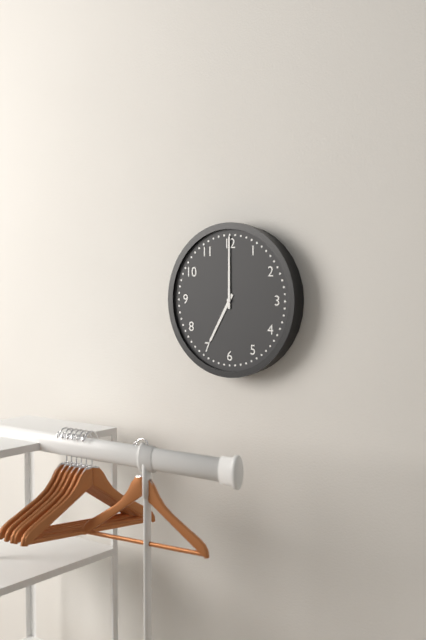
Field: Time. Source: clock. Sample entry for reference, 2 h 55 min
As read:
7 h 00 min
